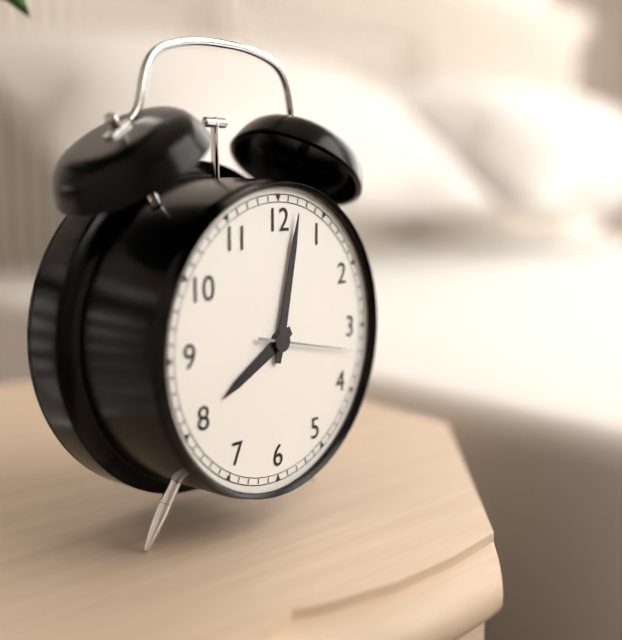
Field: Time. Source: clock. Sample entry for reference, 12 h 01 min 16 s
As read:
8 h 02 min 17 s
